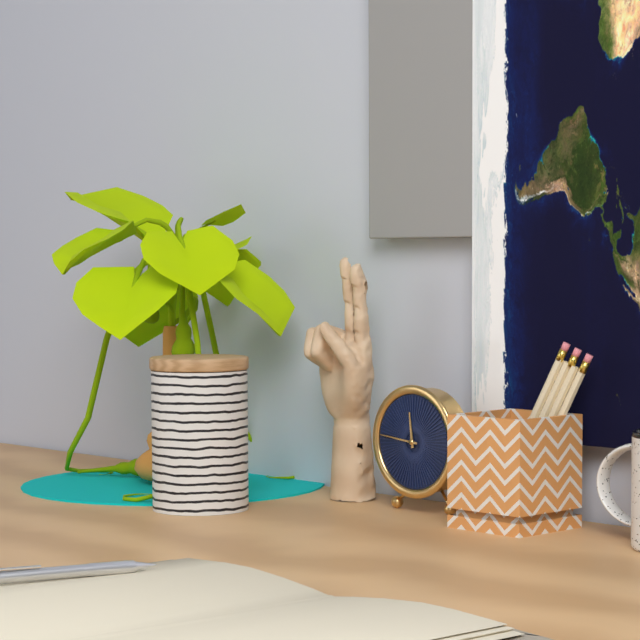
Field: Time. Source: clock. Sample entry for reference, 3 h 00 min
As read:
11 h 46 min
